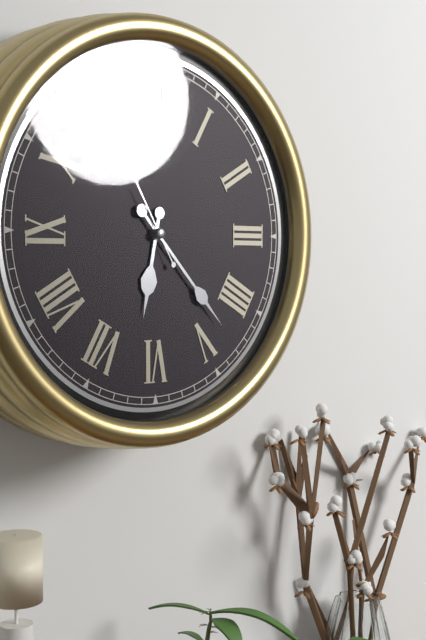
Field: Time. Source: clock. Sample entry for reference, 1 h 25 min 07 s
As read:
6 h 23 min 55 s
